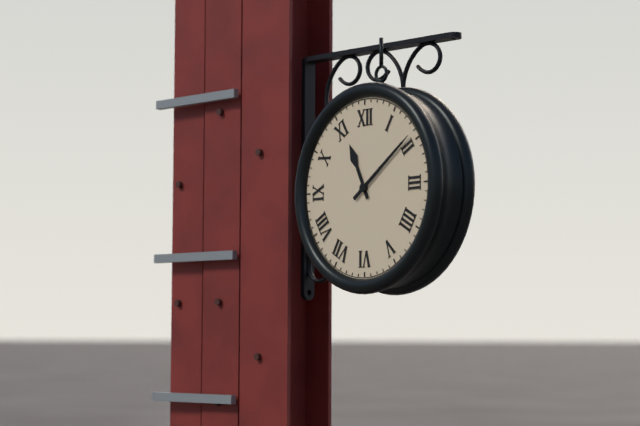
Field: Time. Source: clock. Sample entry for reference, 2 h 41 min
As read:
11 h 09 min
